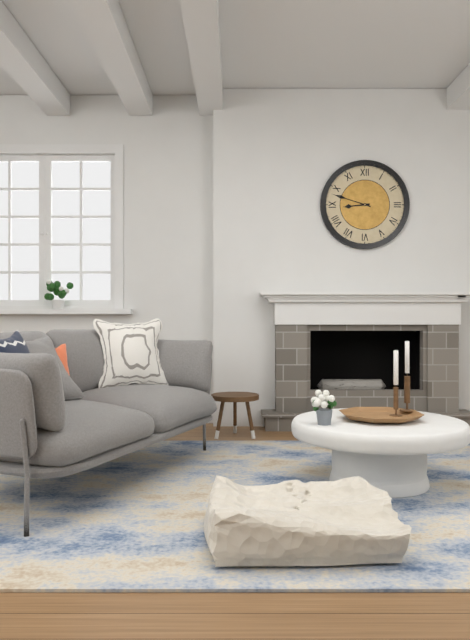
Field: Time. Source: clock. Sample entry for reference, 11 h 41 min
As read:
8 h 48 min
